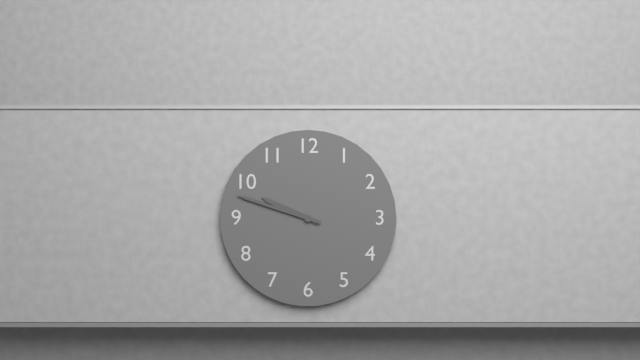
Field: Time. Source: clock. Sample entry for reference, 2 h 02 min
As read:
9 h 48 min
